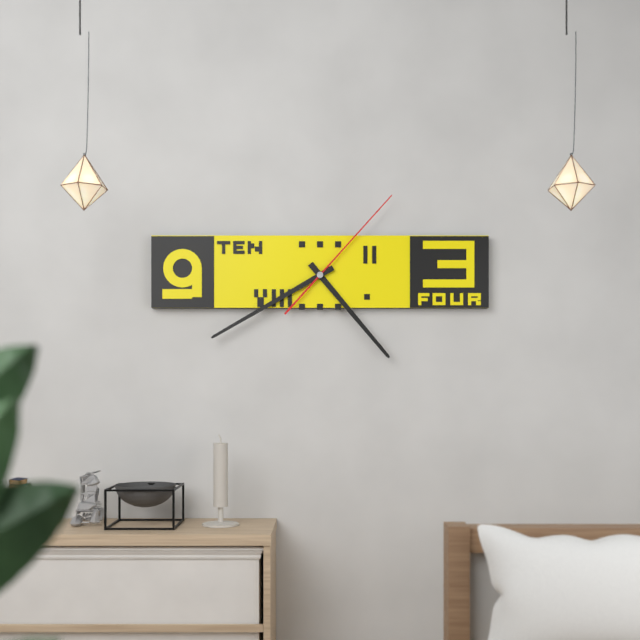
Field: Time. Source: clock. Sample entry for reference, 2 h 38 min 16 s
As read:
4 h 40 min 07 s
